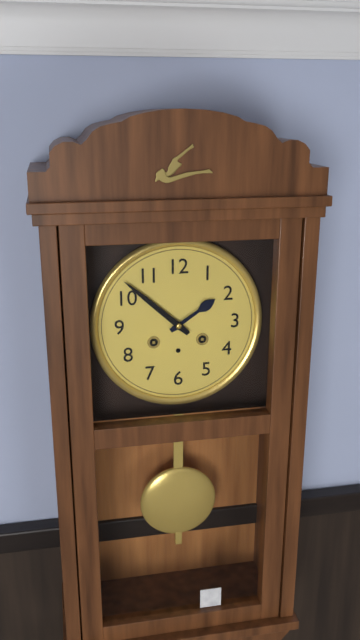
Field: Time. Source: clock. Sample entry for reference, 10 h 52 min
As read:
1 h 52 min
